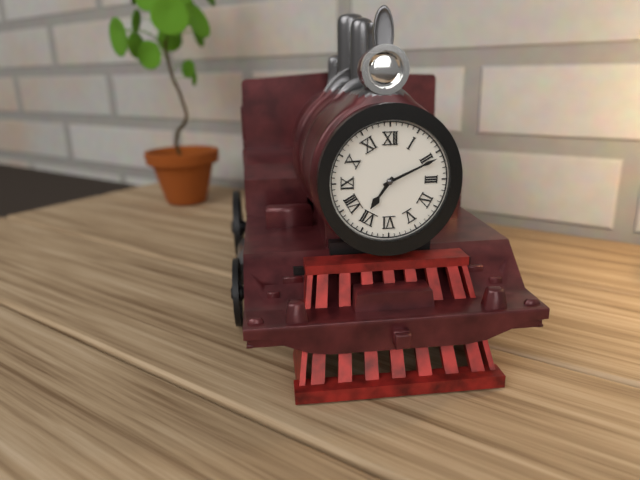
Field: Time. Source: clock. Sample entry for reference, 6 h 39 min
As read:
7 h 11 min
